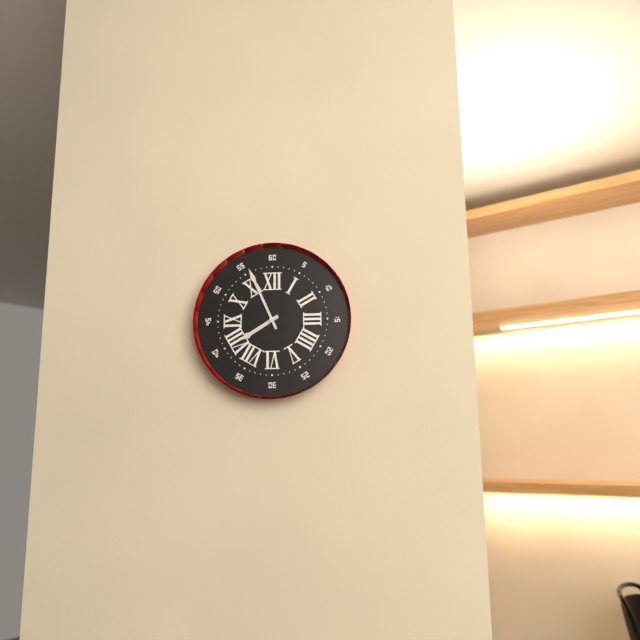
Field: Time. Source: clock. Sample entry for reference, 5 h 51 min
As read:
7 h 56 min
